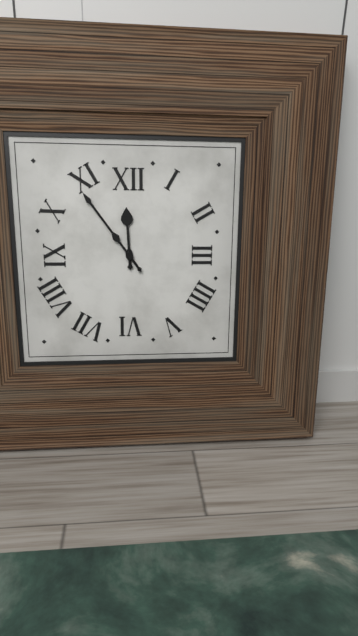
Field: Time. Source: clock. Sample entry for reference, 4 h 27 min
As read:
11 h 54 min
